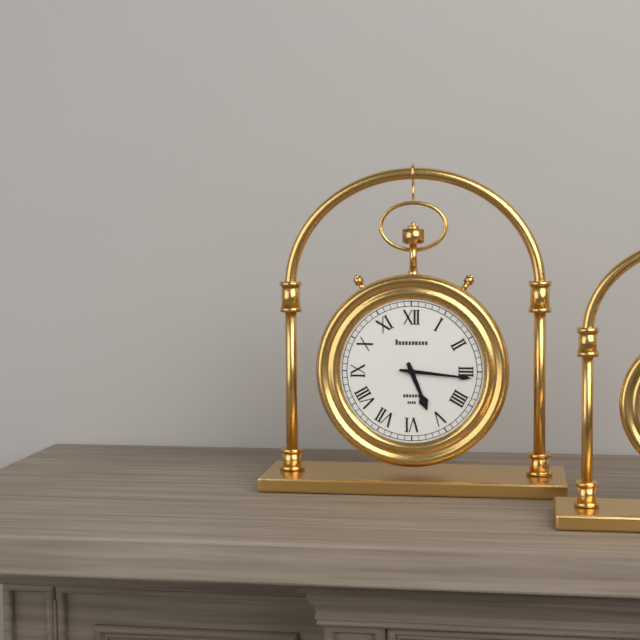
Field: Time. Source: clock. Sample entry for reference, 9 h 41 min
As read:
5 h 16 min
